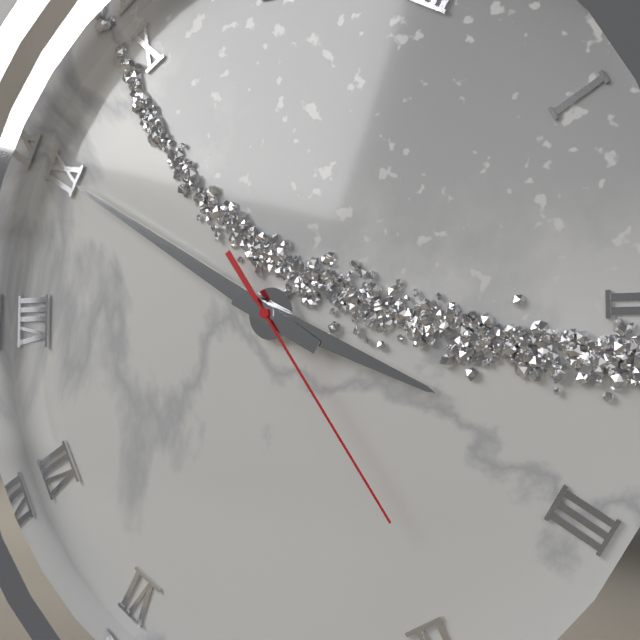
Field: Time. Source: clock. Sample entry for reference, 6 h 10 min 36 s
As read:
2 h 45 min 19 s
